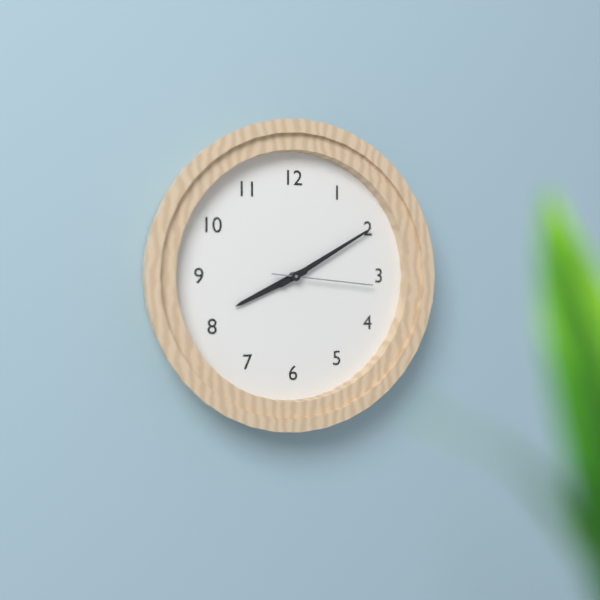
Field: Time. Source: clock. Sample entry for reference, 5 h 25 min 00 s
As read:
8 h 10 min 16 s
